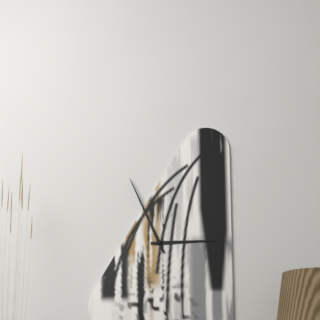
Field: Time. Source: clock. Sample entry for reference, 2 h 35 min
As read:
2 h 56 min
